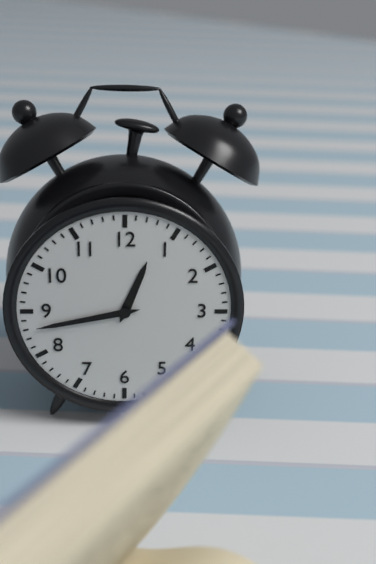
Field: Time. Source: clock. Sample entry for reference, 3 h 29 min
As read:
12 h 43 min
